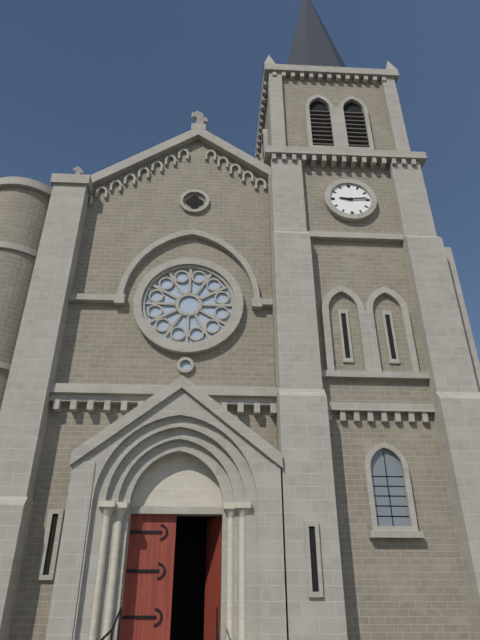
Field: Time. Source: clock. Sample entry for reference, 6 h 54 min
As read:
9 h 14 min
